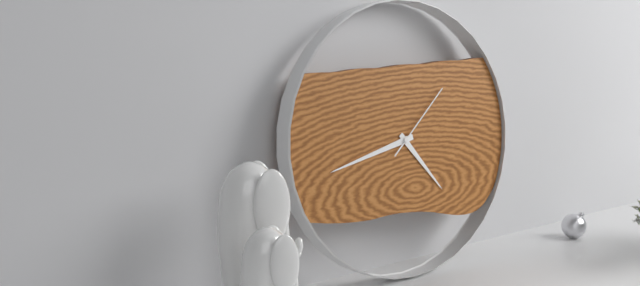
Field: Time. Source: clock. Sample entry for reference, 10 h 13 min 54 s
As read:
4 h 43 min 08 s
